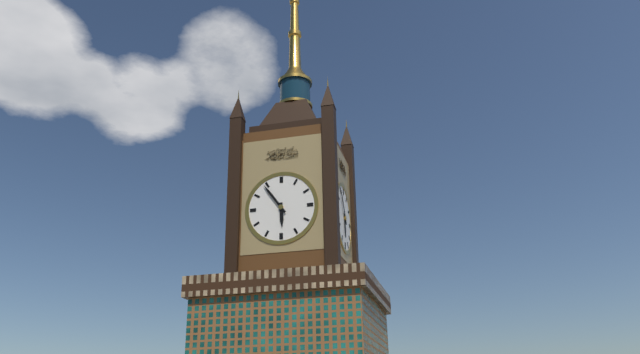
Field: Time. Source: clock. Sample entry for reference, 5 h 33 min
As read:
5 h 54 min
